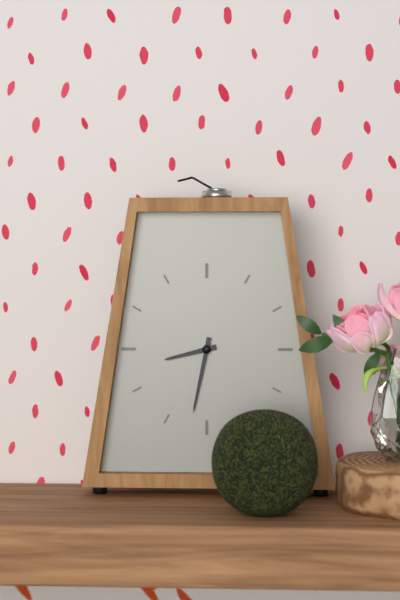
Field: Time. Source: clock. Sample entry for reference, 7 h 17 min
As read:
8 h 32 min
